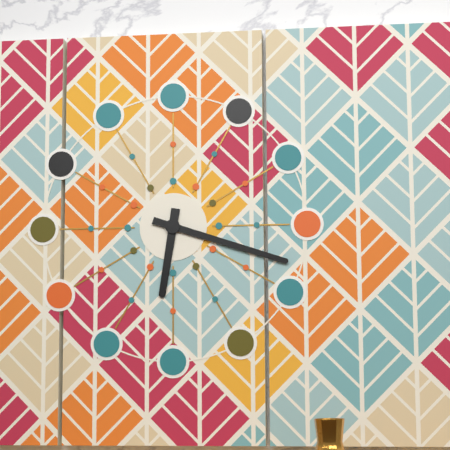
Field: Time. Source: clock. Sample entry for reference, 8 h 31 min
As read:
6 h 18 min
